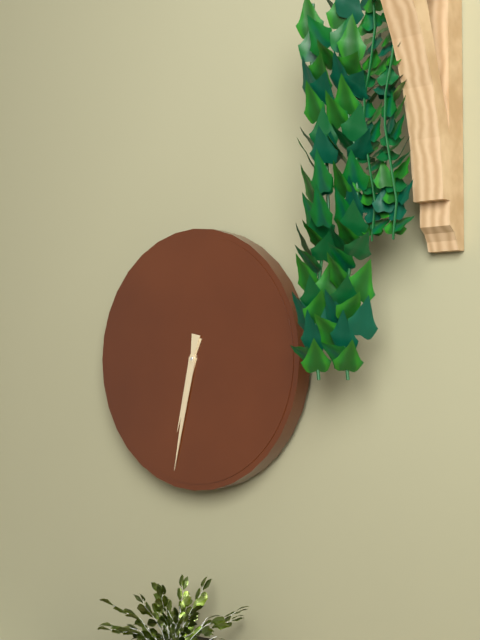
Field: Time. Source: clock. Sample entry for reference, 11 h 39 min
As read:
6 h 32 min
